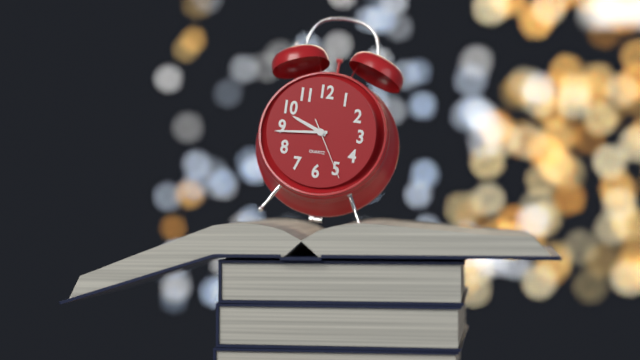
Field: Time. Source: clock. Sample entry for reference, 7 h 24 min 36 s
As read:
9 h 44 min 25 s
